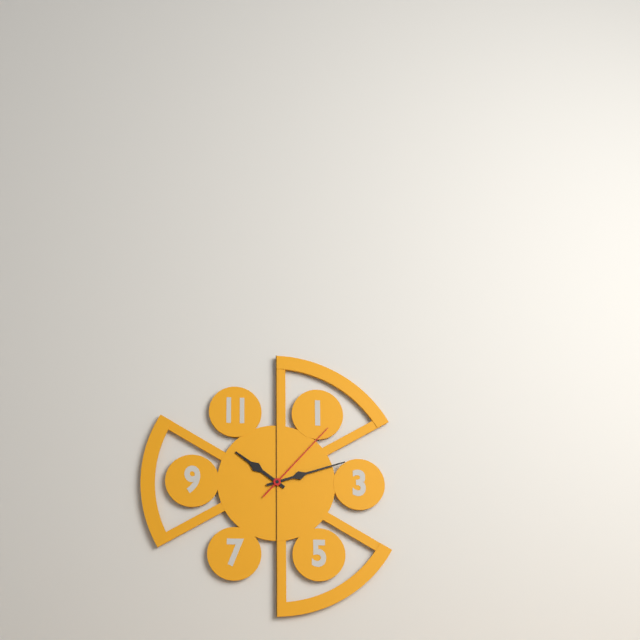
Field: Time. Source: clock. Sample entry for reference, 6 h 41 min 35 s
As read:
10 h 12 min 07 s
